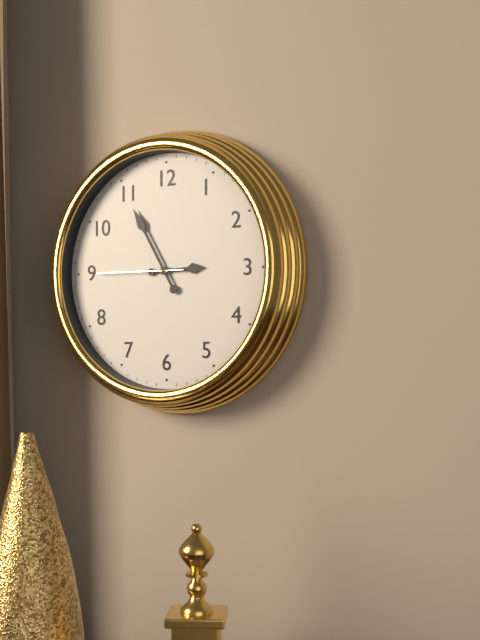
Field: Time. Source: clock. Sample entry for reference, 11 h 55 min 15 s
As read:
2 h 55 min 45 s
